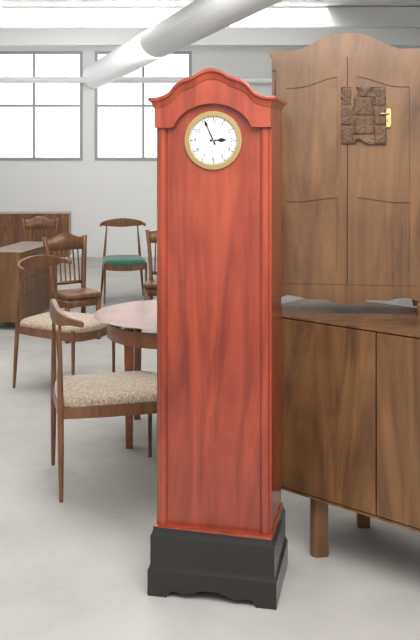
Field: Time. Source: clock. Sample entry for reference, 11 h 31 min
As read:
2 h 56 min
